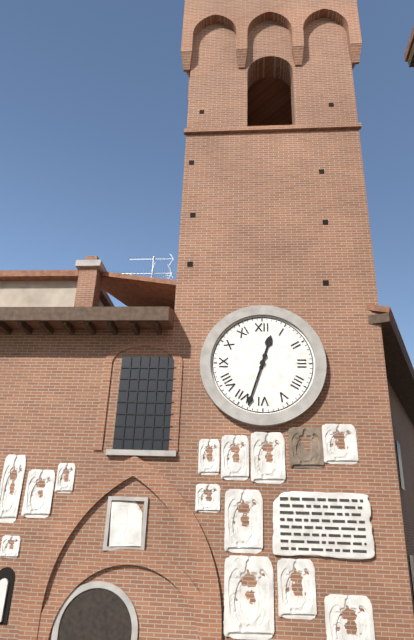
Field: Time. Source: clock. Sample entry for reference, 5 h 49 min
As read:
12 h 33 min
